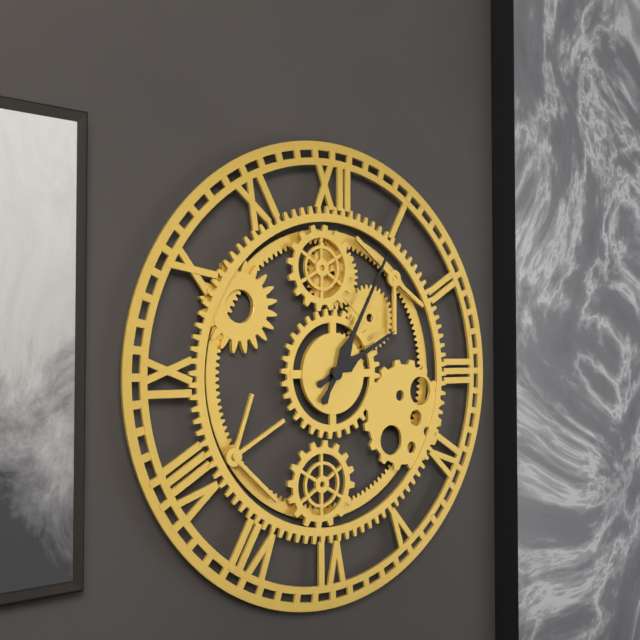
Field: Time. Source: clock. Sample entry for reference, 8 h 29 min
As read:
2 h 05 min
